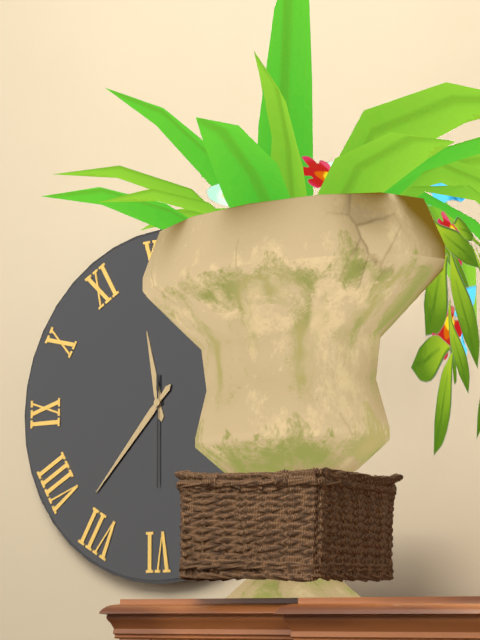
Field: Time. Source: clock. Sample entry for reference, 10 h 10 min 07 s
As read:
11 h 37 min 30 s
